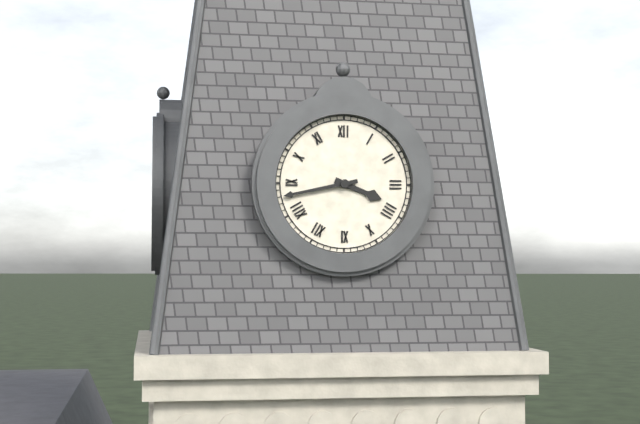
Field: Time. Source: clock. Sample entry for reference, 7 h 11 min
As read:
3 h 43 min
